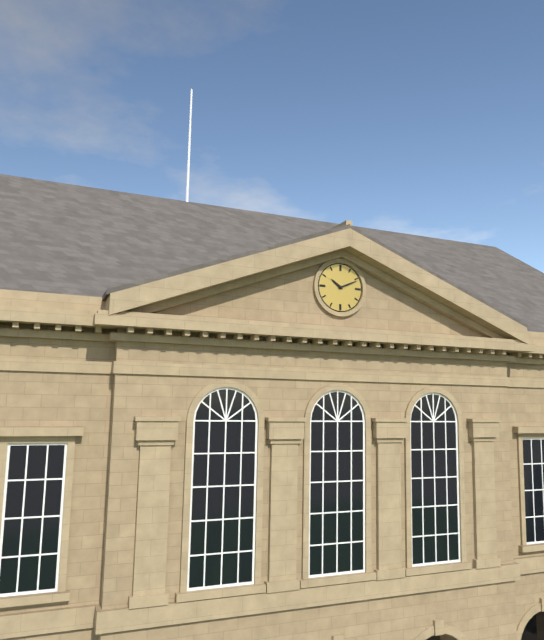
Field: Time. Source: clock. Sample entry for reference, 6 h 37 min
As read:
10 h 11 min
